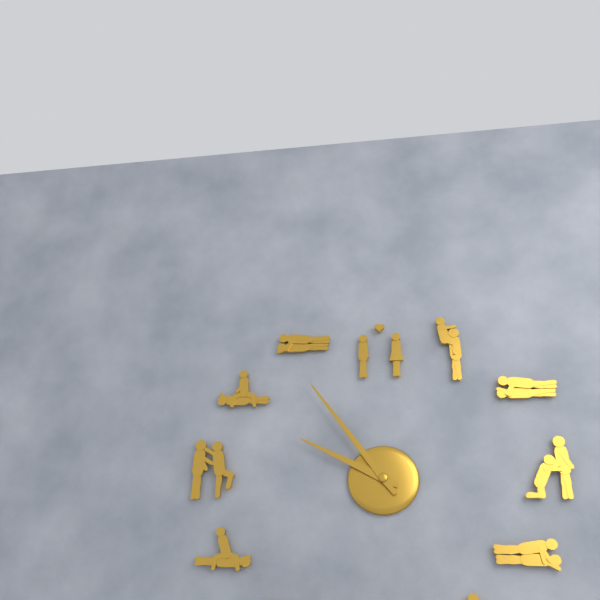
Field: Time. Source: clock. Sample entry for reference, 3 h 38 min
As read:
9 h 54 min
